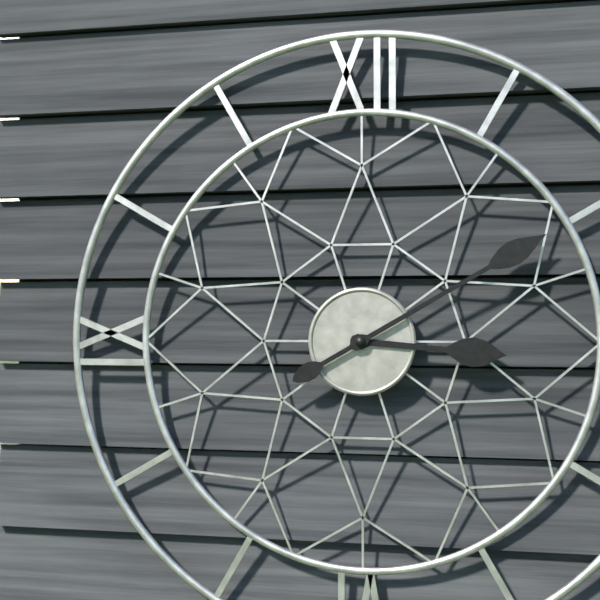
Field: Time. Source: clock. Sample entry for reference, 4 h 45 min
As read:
3 h 10 min
